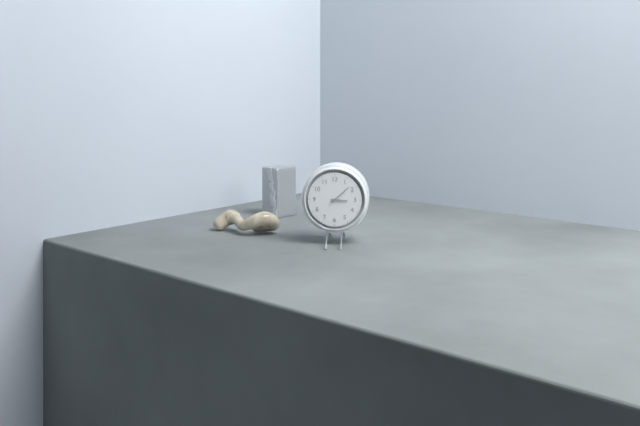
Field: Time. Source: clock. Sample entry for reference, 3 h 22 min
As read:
3 h 08 min
